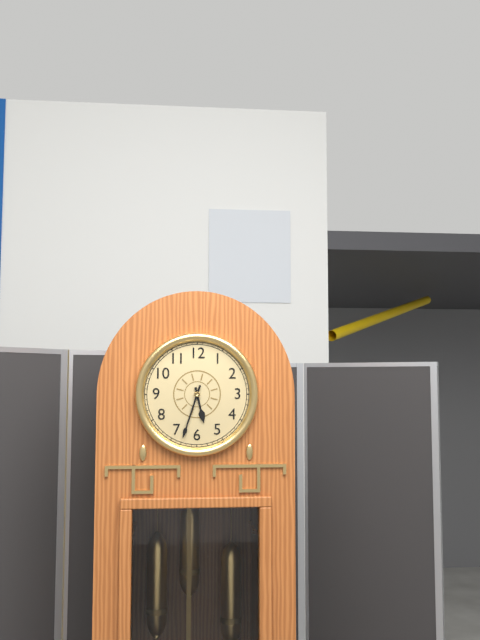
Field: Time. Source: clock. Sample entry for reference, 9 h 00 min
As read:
5 h 33 min
